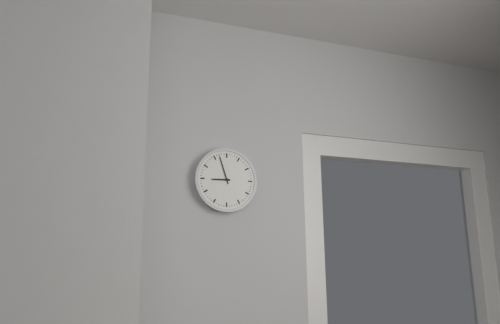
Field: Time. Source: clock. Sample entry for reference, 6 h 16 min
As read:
8 h 57 min
